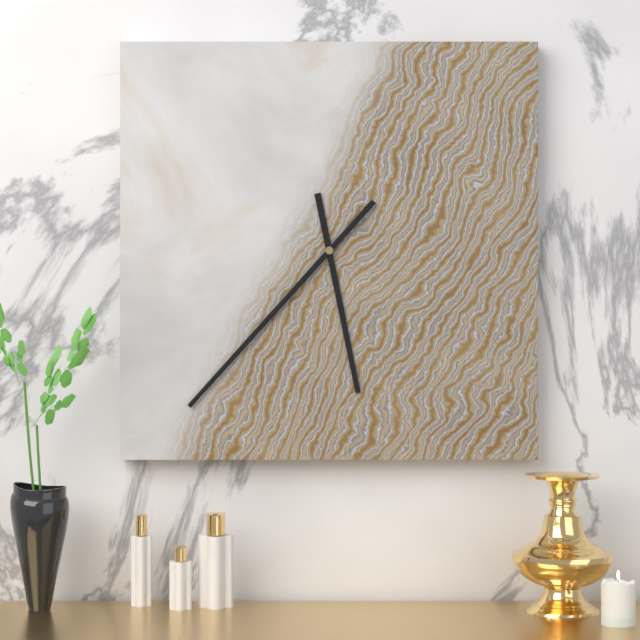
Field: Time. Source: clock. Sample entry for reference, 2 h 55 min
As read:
5 h 37 min
